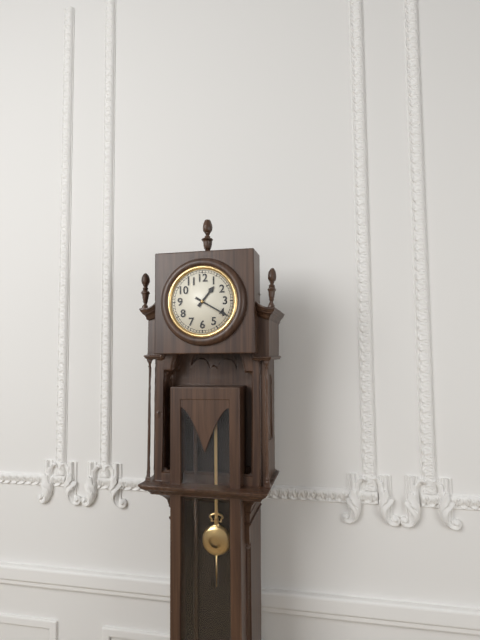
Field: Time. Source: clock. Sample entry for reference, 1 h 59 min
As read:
1 h 20 min
